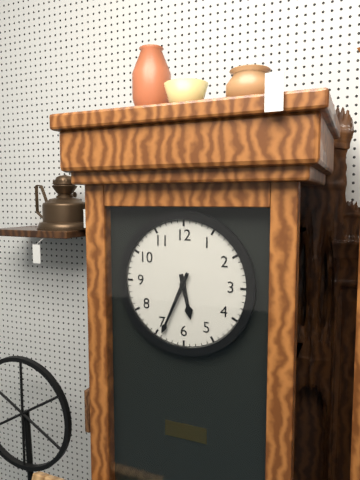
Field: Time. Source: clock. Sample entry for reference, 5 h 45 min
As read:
5 h 34 min
